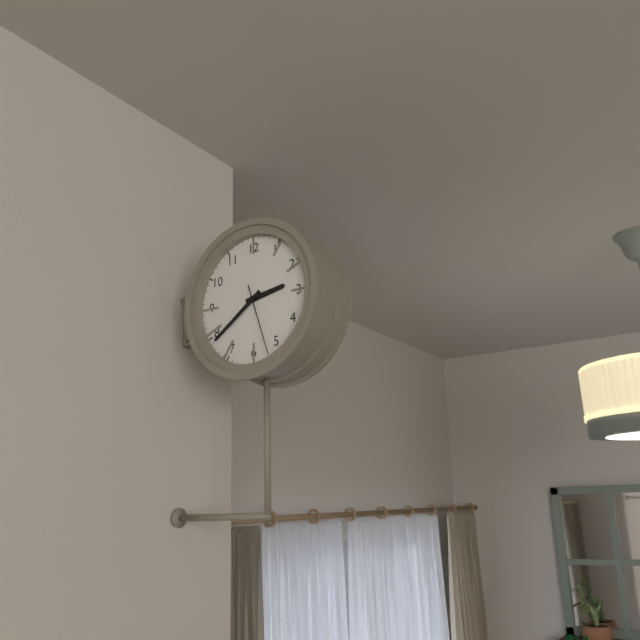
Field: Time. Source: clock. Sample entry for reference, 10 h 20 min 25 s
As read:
2 h 39 min 27 s
